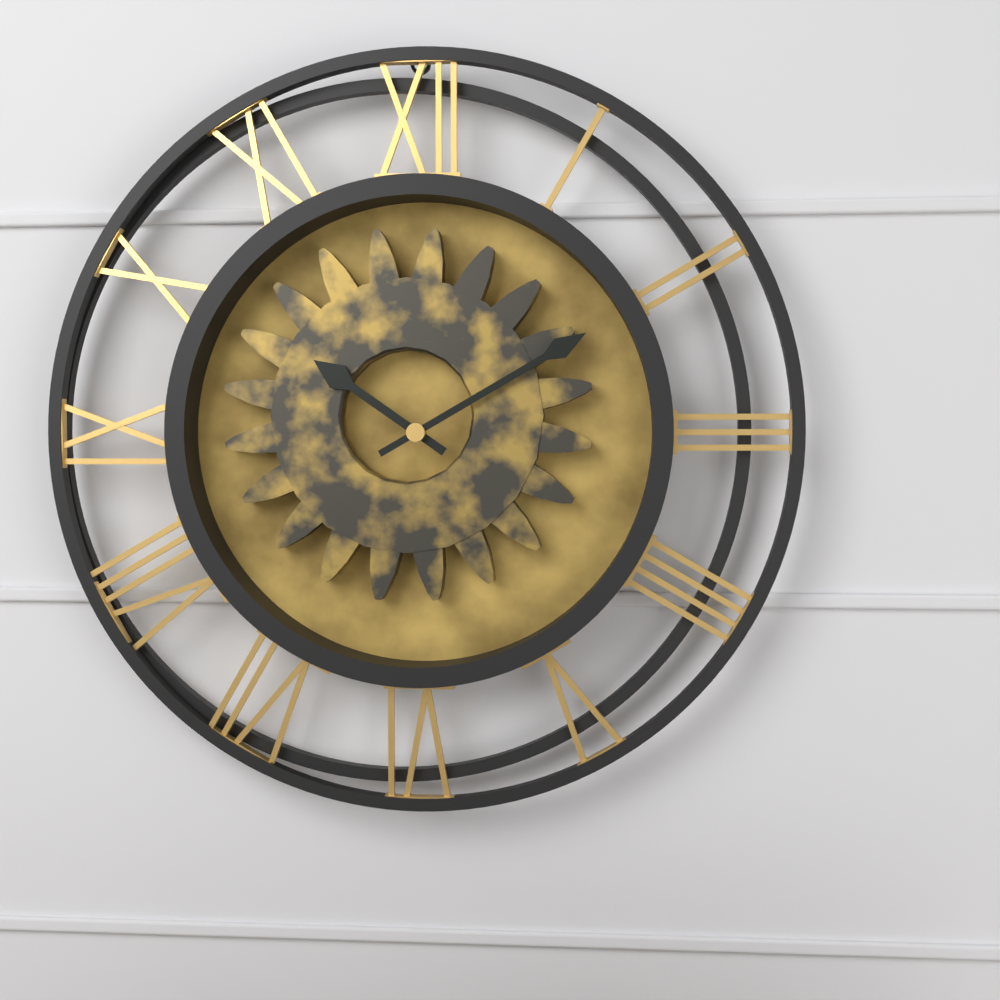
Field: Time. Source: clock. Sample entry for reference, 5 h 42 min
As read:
10 h 10 min
